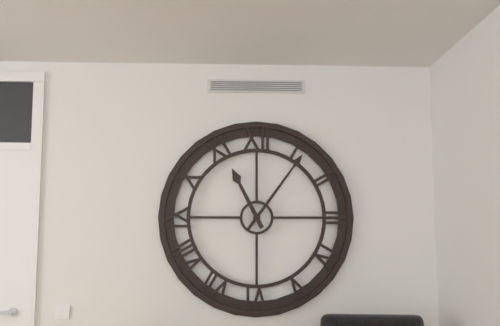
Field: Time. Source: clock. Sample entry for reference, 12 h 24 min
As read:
11 h 06 min
